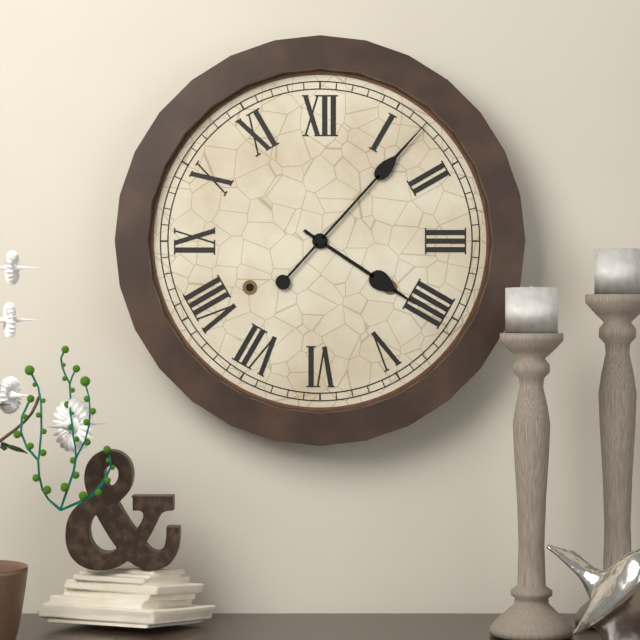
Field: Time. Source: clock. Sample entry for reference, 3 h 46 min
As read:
4 h 07 min
